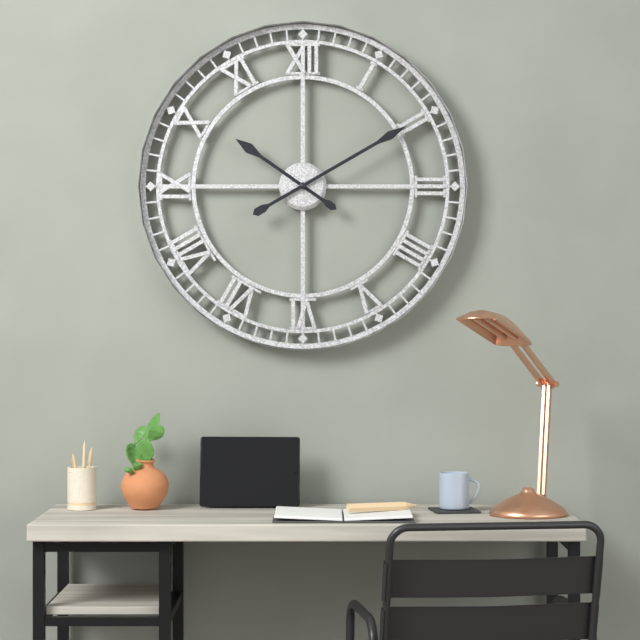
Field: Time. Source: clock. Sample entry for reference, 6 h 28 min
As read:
10 h 10 min
